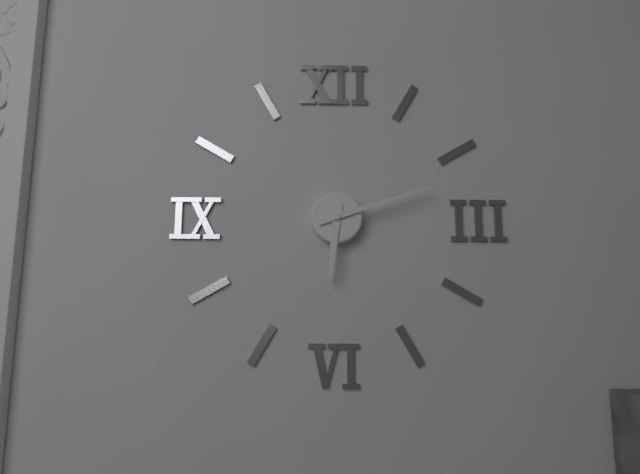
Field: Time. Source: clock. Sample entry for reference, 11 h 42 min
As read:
6 h 12 min
